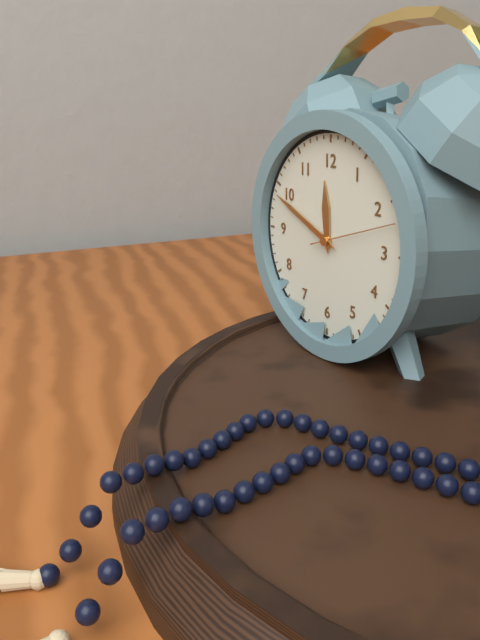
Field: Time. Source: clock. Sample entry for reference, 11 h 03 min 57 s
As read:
11 h 49 min 12 s
